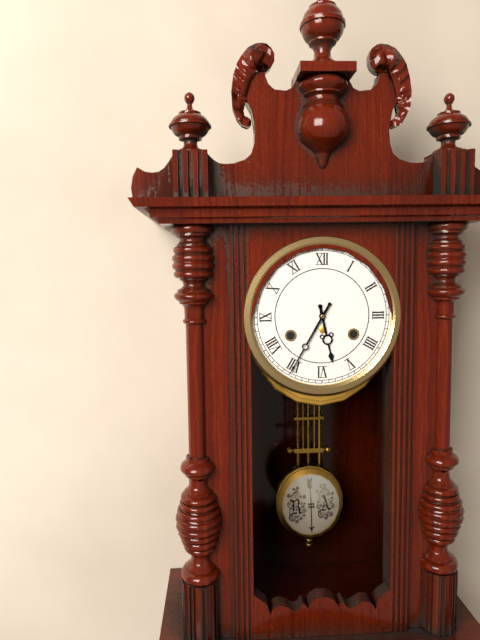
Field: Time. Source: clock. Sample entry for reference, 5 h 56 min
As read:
5 h 35 min
